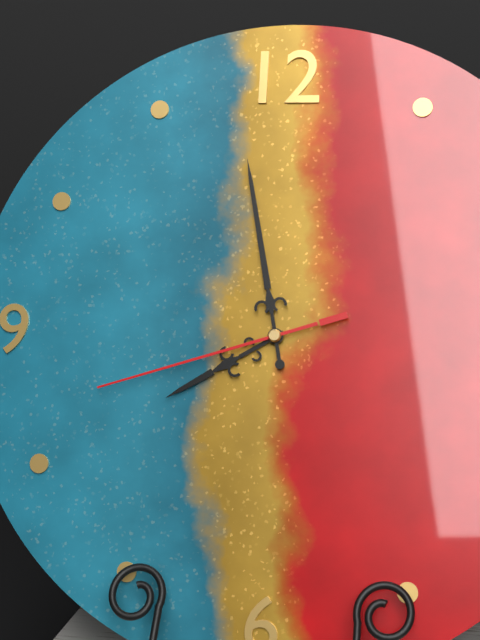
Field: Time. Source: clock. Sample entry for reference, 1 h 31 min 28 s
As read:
7 h 58 min 42 s
